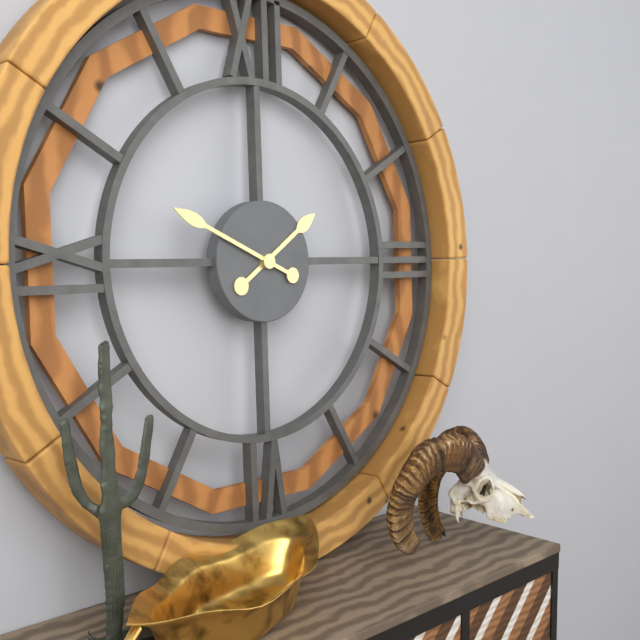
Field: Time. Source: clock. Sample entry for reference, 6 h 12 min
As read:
1 h 49 min
